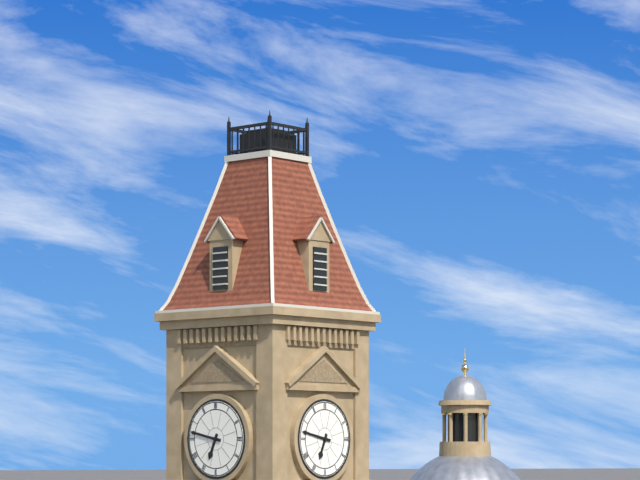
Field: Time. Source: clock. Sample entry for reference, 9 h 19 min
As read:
6 h 47 min
